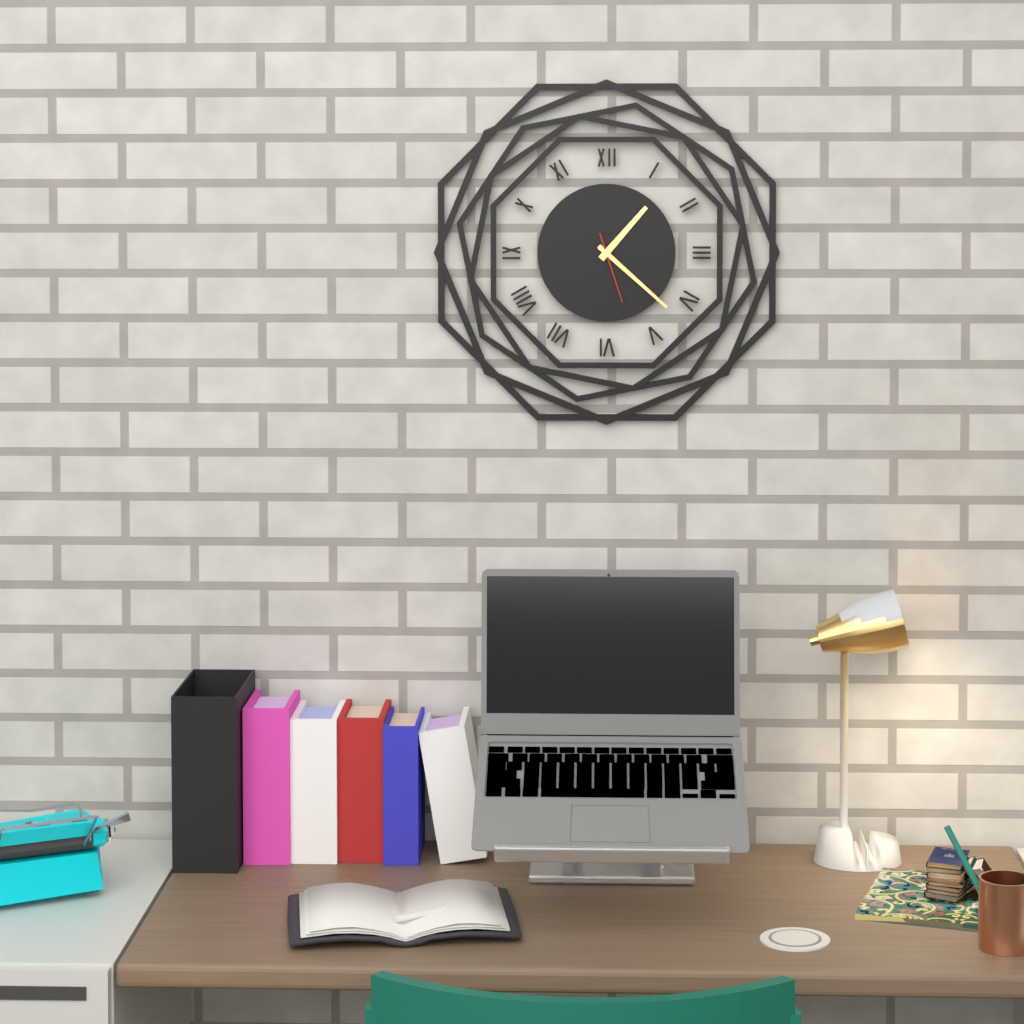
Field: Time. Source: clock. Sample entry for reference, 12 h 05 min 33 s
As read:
1 h 22 min 27 s
